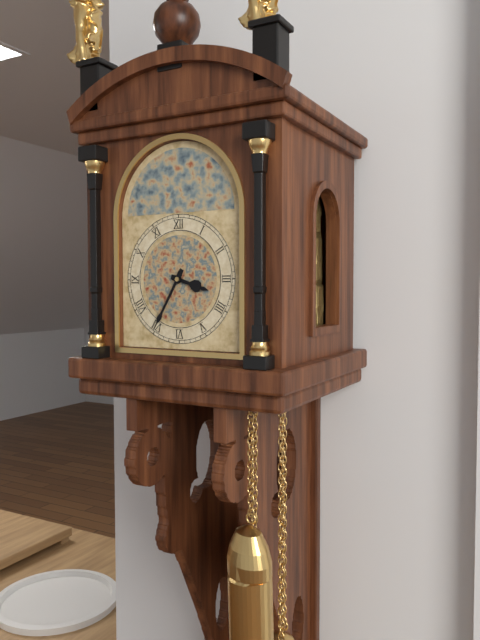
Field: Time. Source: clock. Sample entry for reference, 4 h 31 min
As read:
3 h 35 min
